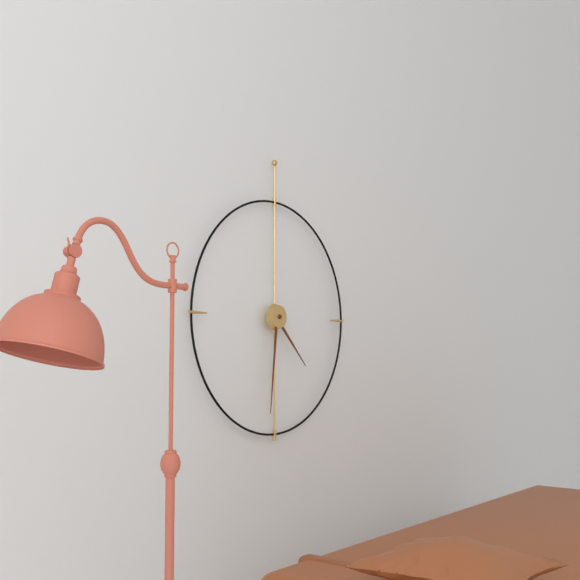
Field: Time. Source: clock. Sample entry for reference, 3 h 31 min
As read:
4 h 31 min
